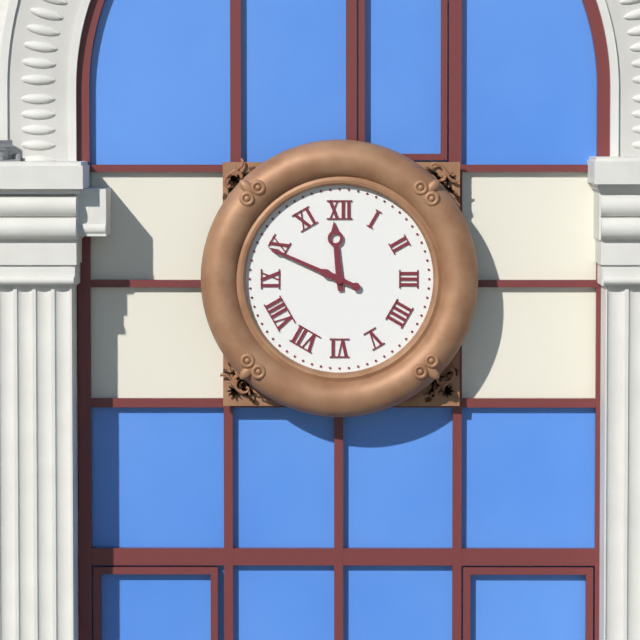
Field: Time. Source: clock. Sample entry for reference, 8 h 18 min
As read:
11 h 49 min
